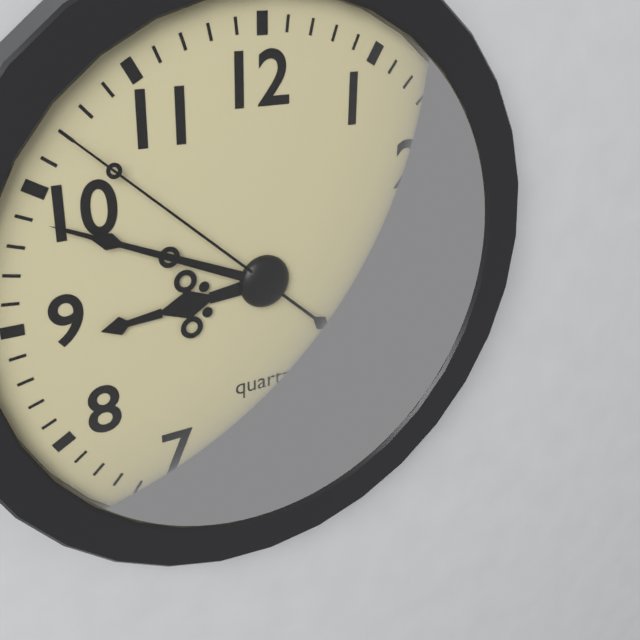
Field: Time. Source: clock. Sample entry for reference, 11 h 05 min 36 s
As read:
8 h 49 min 52 s
